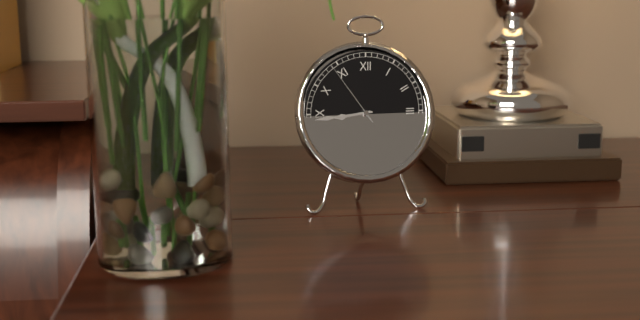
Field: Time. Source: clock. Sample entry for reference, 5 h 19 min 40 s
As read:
8 h 44 min 54 s
